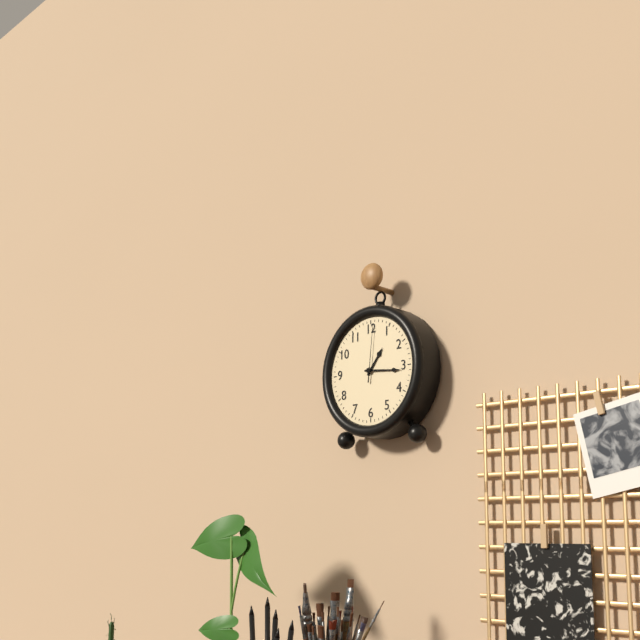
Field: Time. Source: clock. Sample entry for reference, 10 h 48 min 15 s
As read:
1 h 16 min 01 s
